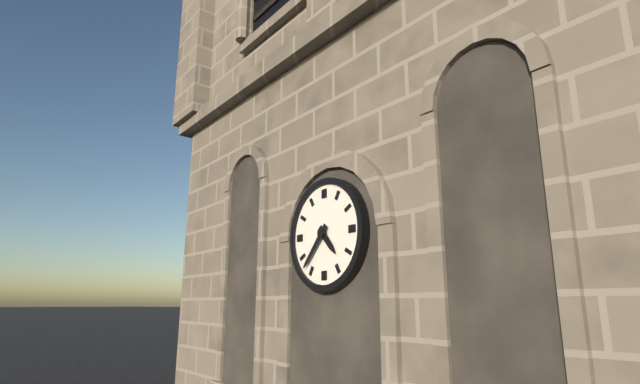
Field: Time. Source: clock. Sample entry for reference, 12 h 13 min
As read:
4 h 37 min
